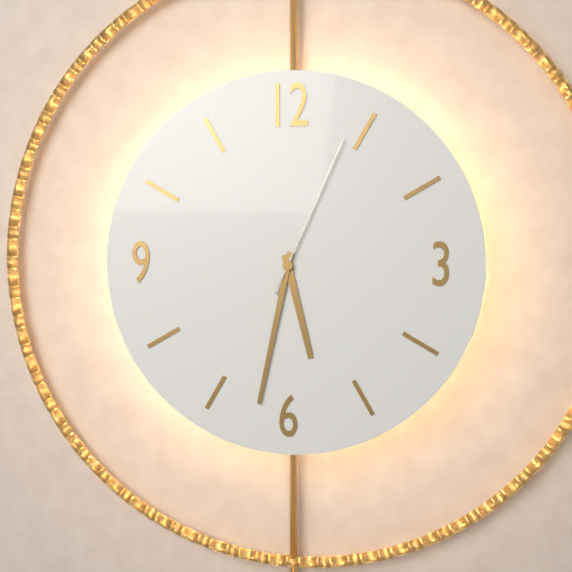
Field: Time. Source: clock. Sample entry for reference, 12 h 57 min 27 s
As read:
5 h 32 min 04 s
